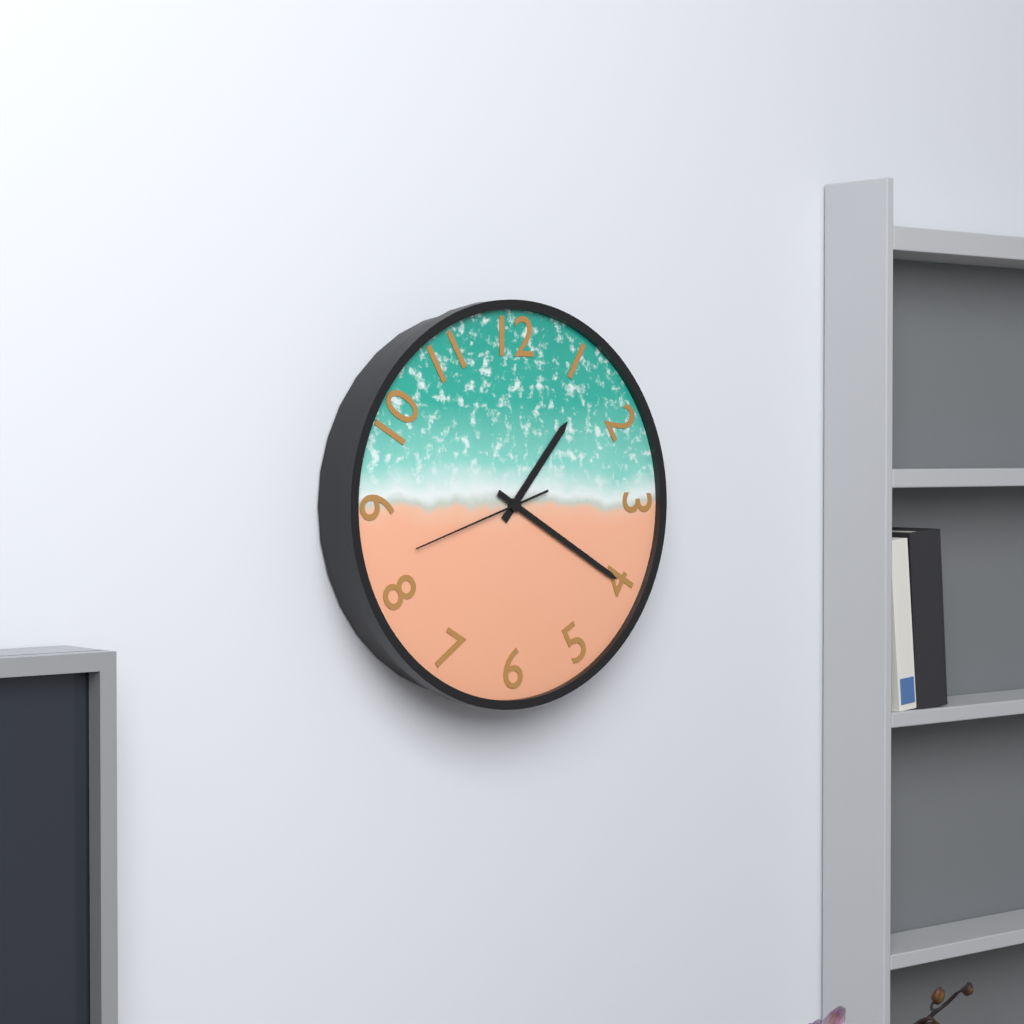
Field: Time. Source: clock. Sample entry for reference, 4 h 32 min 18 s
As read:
1 h 20 min 42 s
